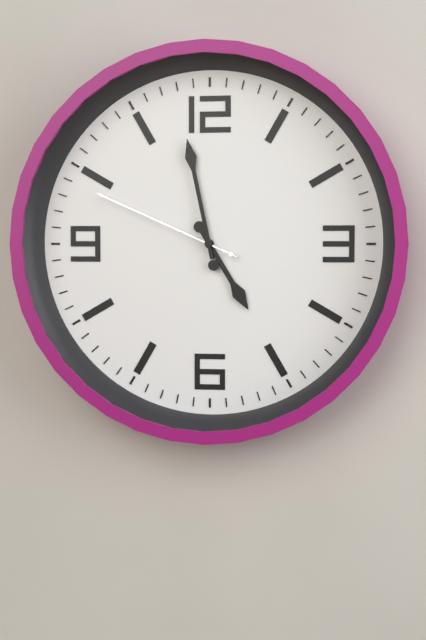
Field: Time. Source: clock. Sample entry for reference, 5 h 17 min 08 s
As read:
4 h 58 min 49 s
